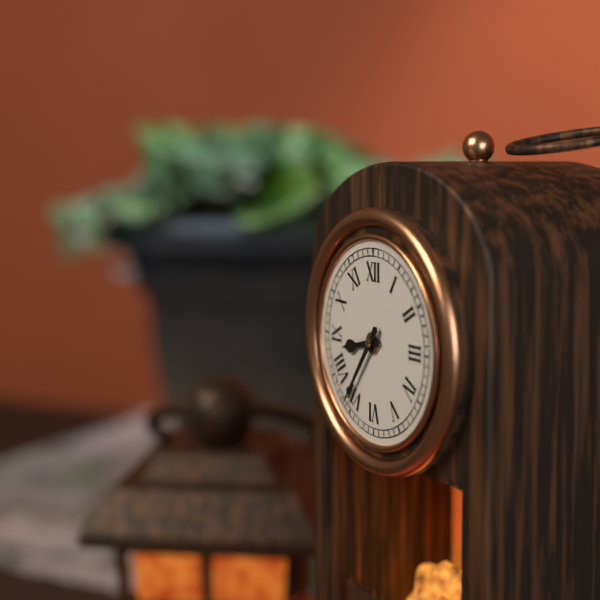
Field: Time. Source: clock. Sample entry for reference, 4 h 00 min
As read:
8 h 36 min
